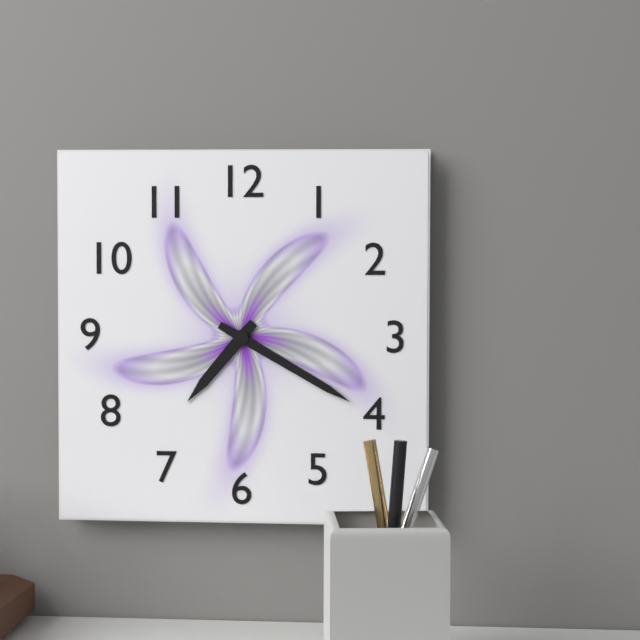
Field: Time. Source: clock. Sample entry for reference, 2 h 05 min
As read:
7 h 20 min
